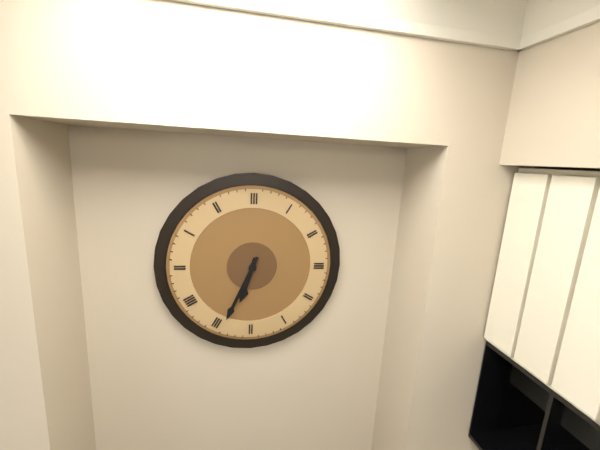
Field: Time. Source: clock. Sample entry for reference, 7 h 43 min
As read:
6 h 34 min
